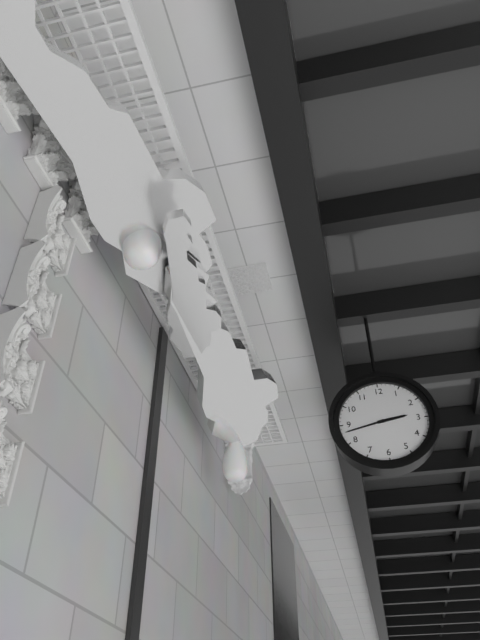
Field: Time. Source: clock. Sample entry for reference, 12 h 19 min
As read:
2 h 43 min
